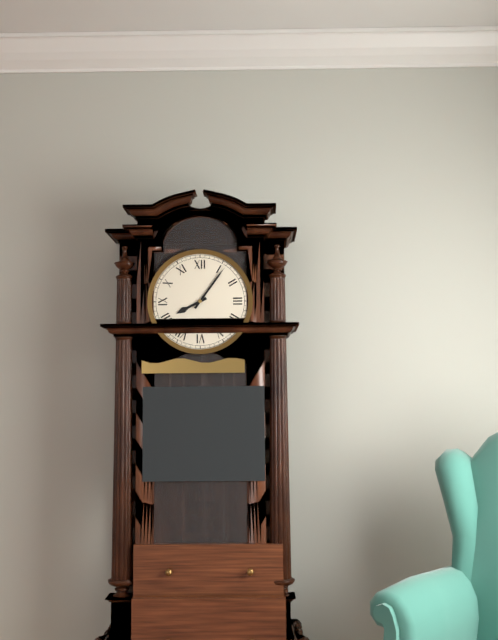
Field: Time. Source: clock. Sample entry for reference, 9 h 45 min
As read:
8 h 06 min
